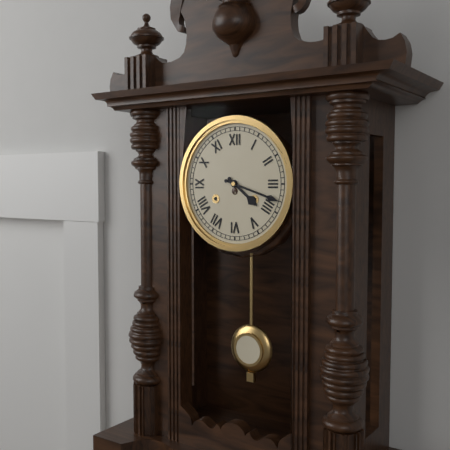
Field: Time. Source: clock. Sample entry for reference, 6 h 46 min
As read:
4 h 18 min
